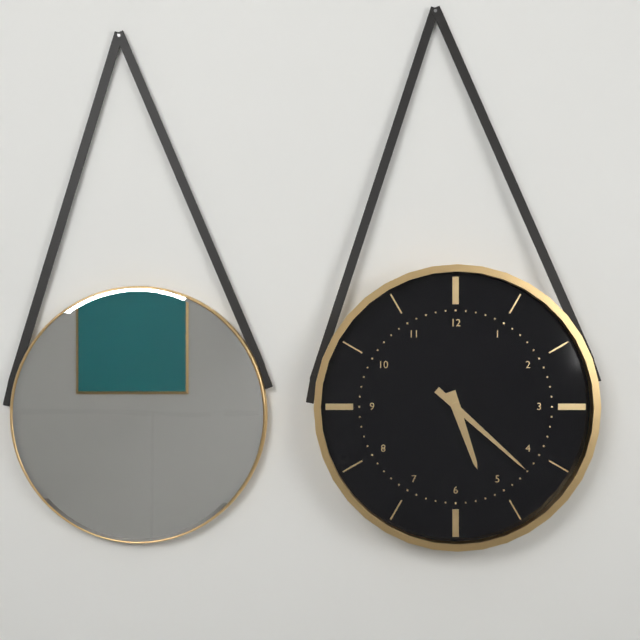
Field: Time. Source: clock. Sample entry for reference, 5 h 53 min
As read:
5 h 22 min
